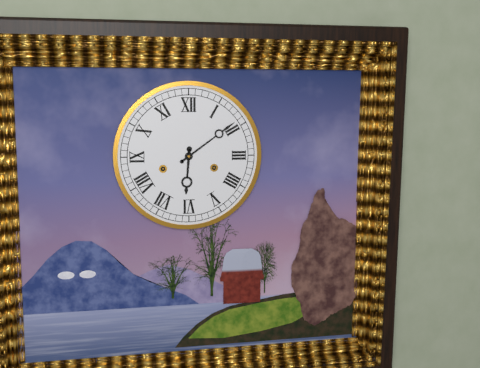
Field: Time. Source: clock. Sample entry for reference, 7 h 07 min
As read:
6 h 09 min
